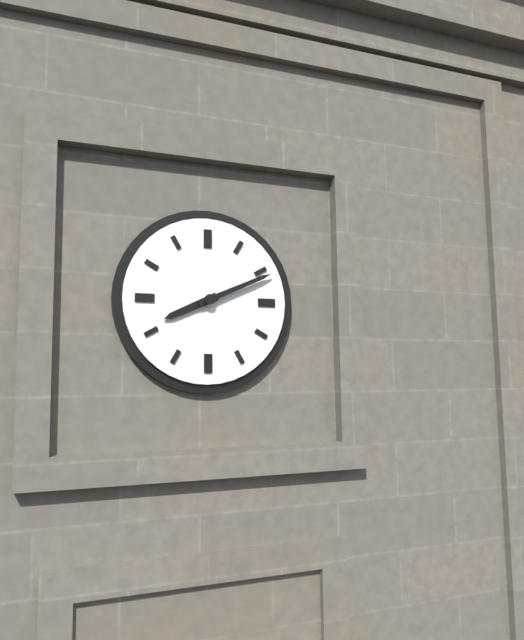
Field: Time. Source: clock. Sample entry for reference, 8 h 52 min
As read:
8 h 11 min
